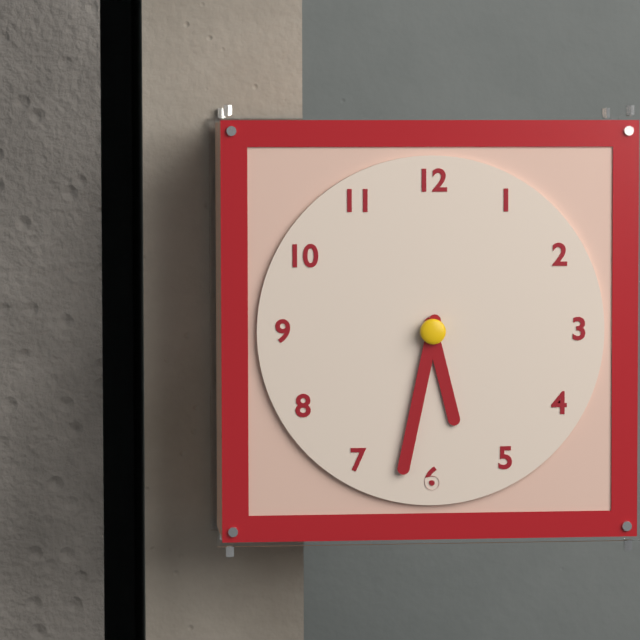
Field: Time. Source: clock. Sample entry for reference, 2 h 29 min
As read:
5 h 32 min
